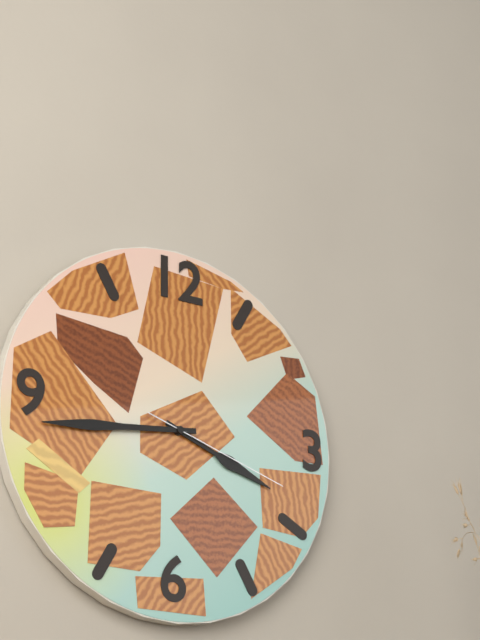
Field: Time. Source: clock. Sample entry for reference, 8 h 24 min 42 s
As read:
3 h 44 min 18 s
